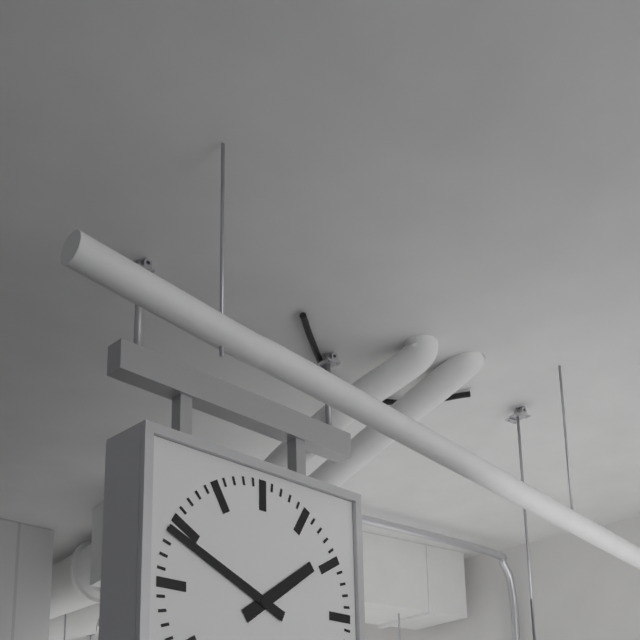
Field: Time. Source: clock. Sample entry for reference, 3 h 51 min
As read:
1 h 49 min
